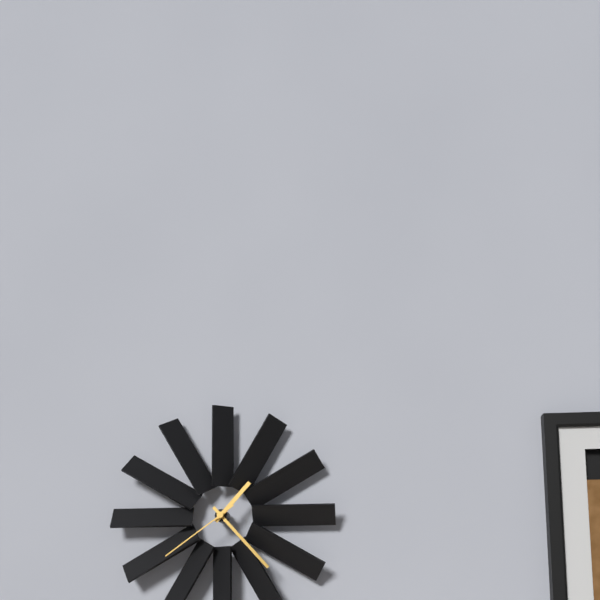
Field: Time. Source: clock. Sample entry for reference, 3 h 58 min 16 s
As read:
1 h 23 min 39 s
